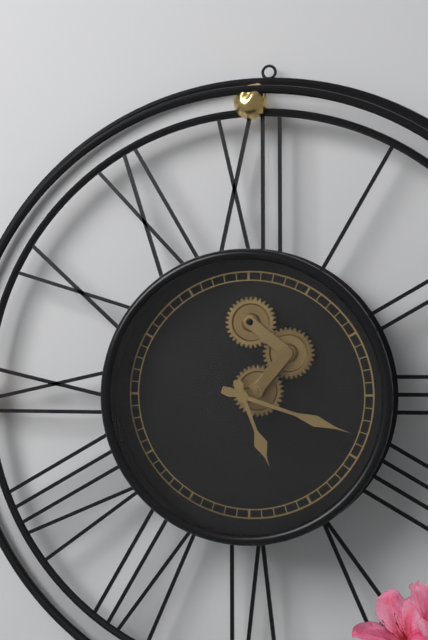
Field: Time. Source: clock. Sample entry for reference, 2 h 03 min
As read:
5 h 18 min
